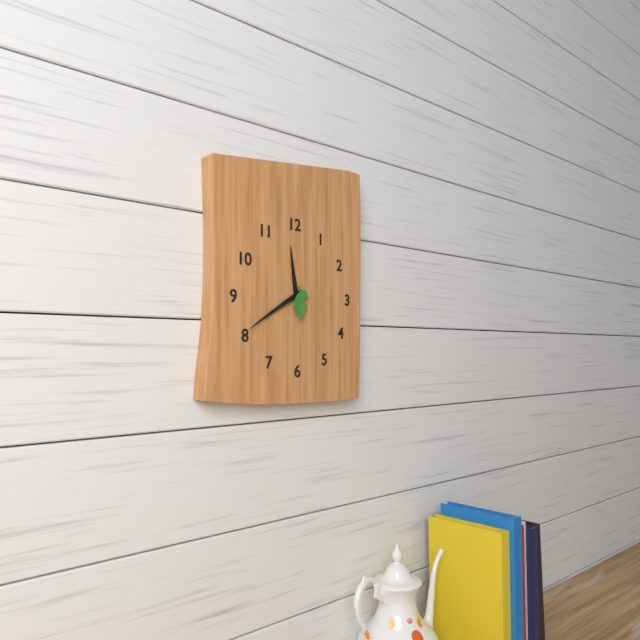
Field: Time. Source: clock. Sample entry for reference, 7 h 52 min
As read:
11 h 40 min
